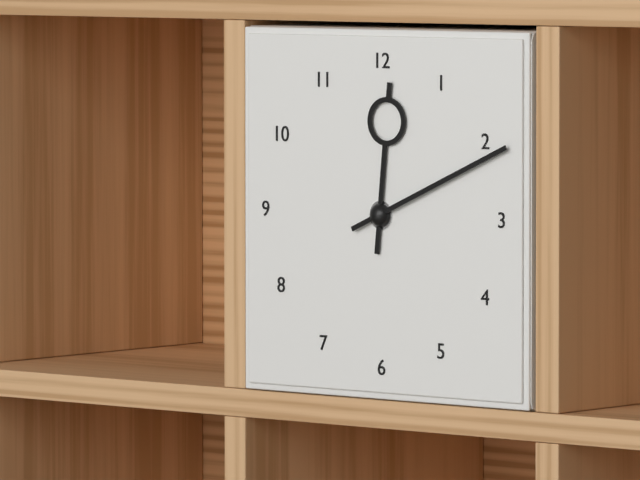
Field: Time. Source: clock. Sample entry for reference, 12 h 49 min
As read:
12 h 11 min
